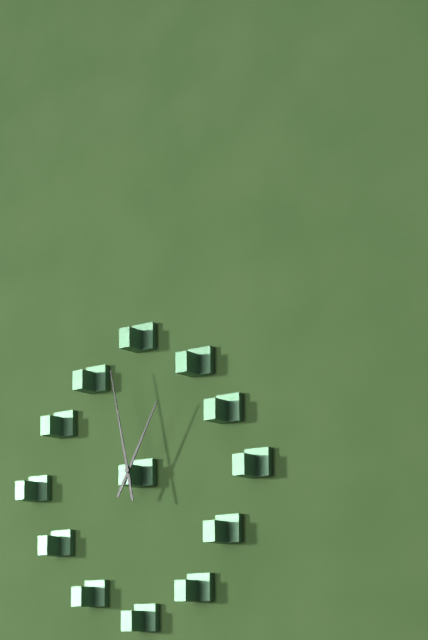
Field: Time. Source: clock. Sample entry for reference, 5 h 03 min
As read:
12 h 58 min
